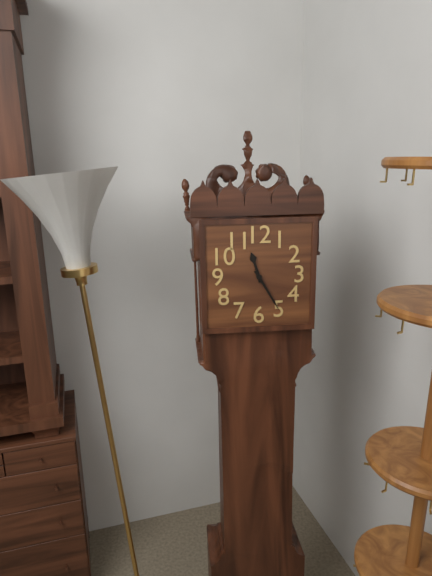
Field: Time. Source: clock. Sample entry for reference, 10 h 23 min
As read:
11 h 25 min
